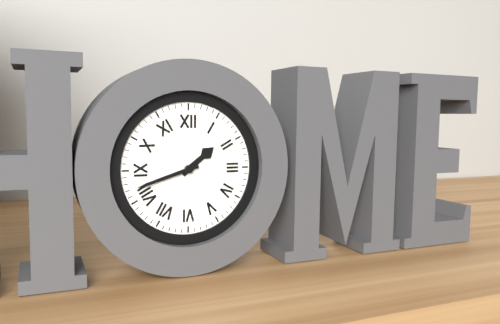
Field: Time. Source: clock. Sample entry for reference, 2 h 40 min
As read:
1 h 42 min
